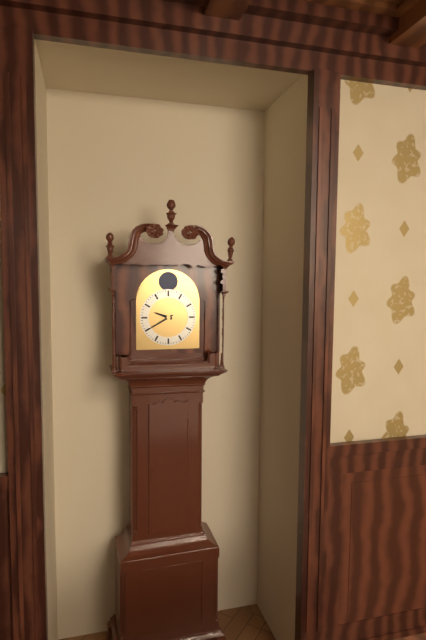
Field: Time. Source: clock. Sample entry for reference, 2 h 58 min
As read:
9 h 40 min
